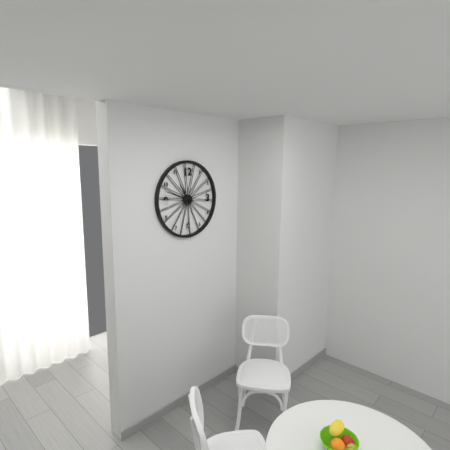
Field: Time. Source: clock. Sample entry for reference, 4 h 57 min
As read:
10 h 48 min
